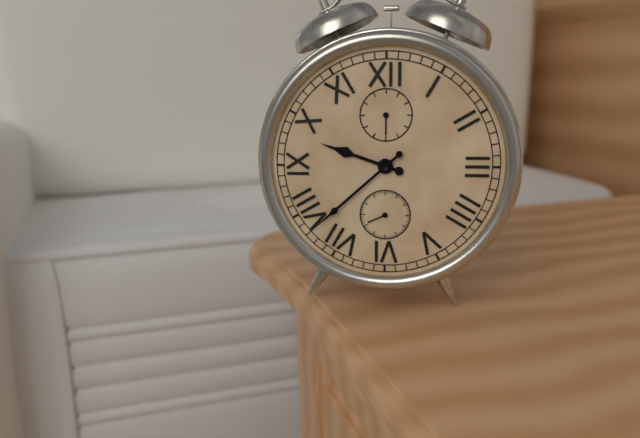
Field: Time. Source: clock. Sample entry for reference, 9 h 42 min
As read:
9 h 38 min
